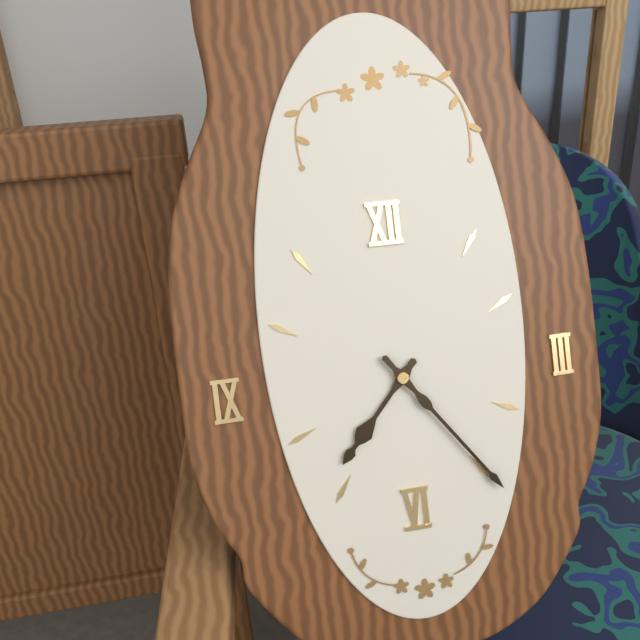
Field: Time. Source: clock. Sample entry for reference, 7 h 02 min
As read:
7 h 24 min
